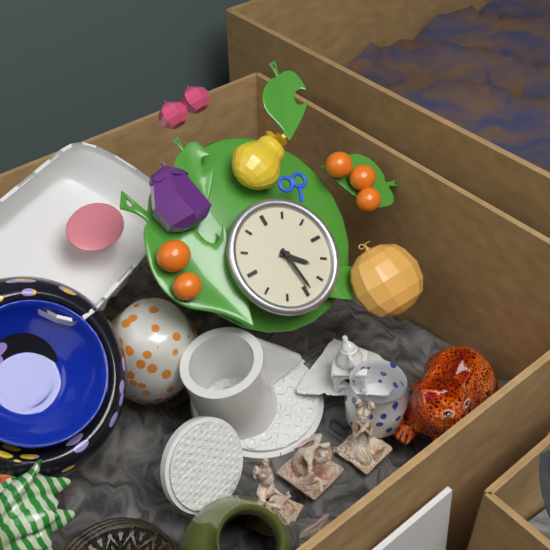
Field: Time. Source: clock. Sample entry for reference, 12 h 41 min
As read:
4 h 29 min
